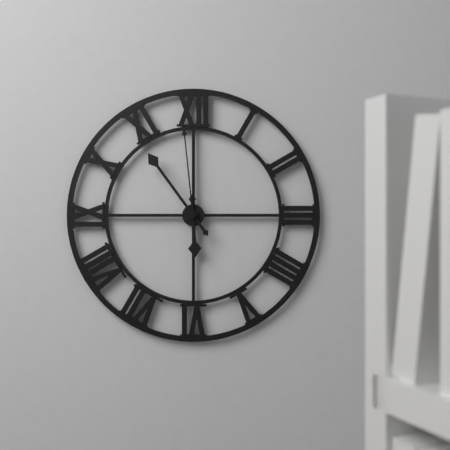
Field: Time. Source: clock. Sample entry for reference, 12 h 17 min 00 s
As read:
5 h 54 min 59 s
